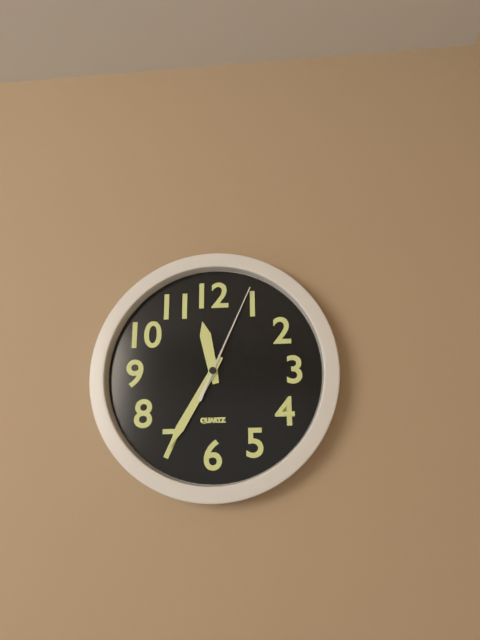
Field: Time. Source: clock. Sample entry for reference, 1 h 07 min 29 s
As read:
11 h 35 min 04 s
